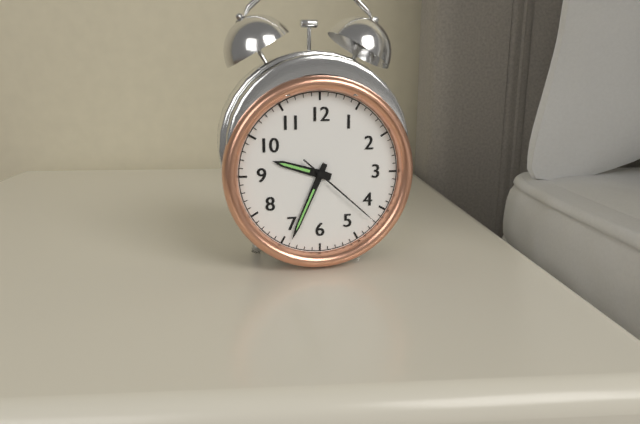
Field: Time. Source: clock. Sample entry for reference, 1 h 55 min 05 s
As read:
9 h 34 min 22 s
